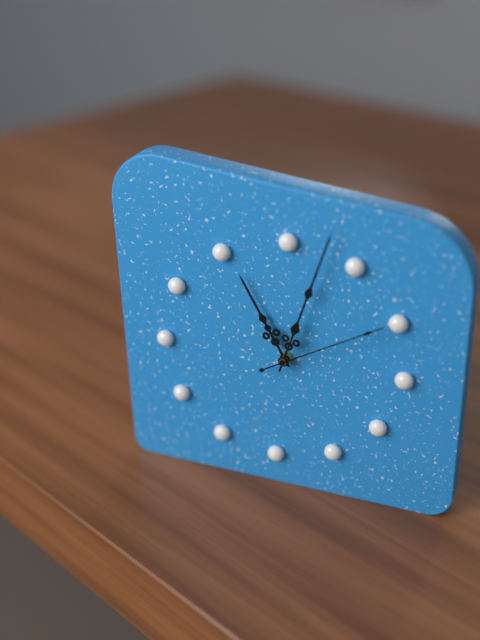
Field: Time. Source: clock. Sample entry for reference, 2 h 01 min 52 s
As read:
11 h 03 min 10 s
